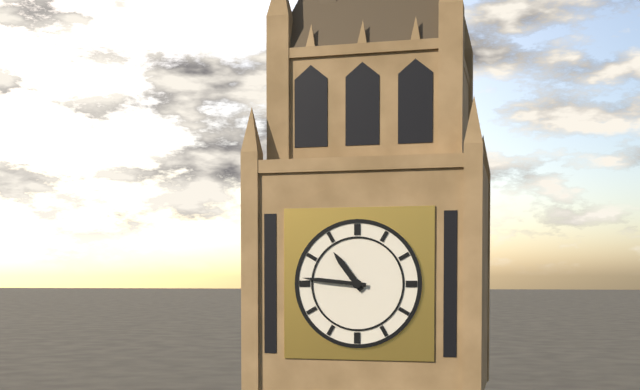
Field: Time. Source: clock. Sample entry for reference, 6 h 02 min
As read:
10 h 46 min
